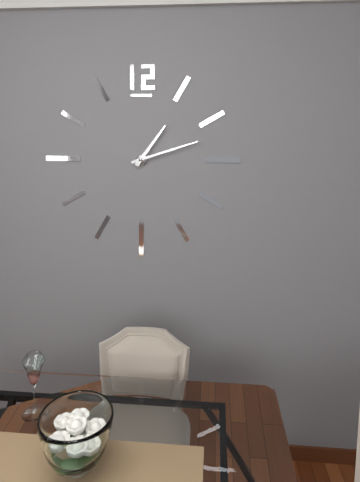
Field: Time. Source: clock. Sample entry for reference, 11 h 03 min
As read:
1 h 12 min
